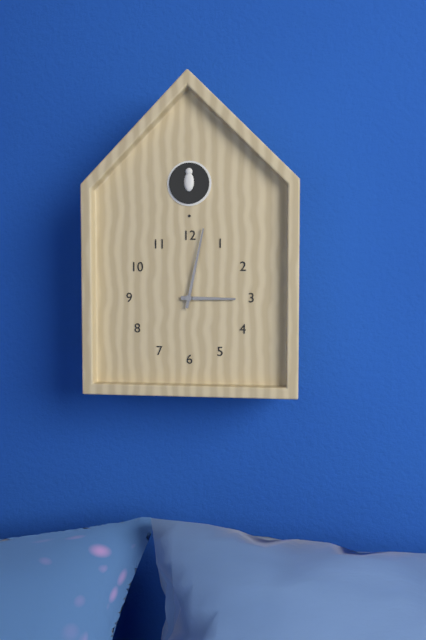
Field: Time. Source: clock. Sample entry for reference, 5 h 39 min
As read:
3 h 02 min
